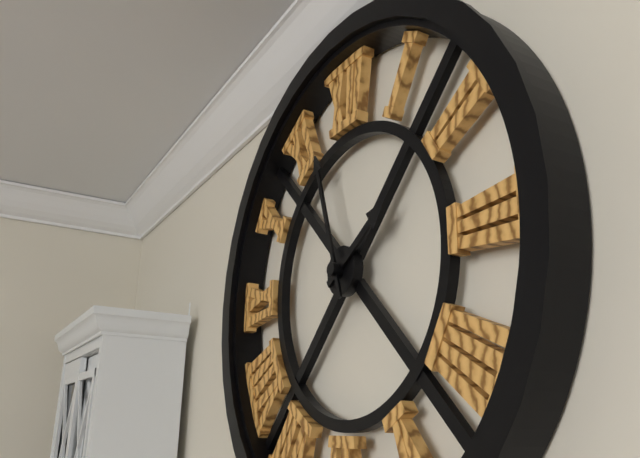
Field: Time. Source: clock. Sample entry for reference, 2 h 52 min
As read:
1 h 57 min
